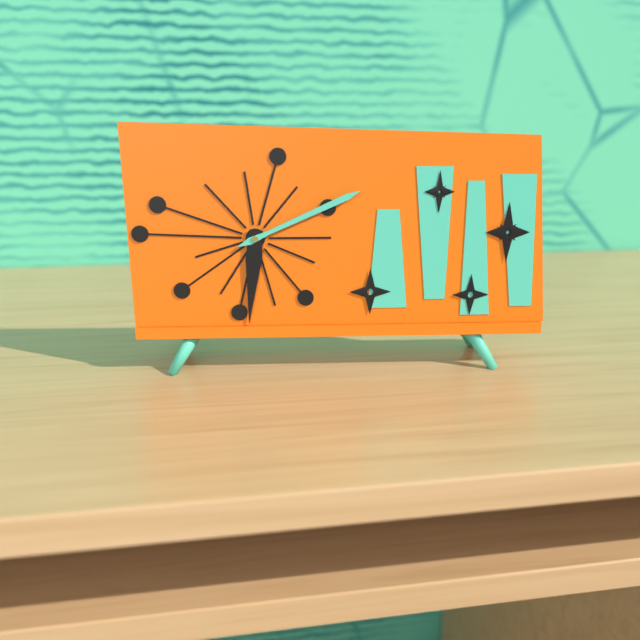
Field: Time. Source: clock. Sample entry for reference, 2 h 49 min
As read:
6 h 11 min
